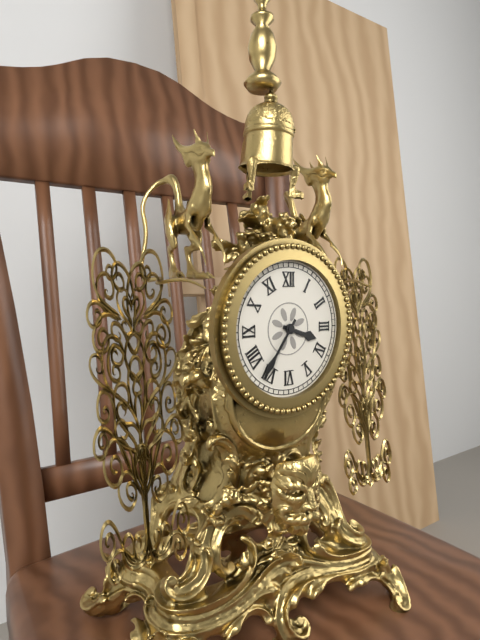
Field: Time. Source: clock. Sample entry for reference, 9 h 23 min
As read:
3 h 36 min
